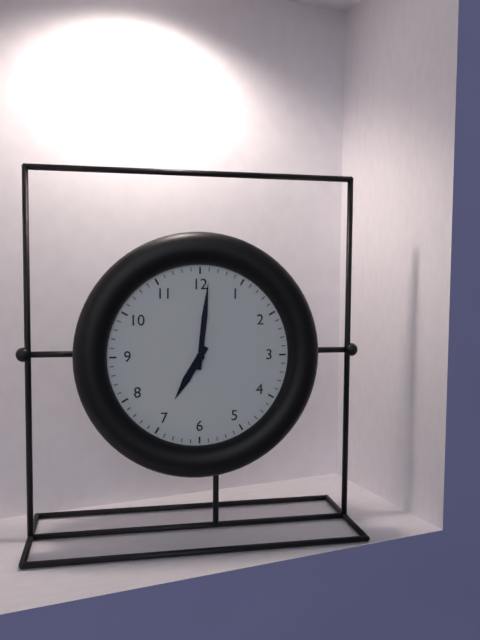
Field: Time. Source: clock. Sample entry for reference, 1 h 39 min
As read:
7 h 01 min
